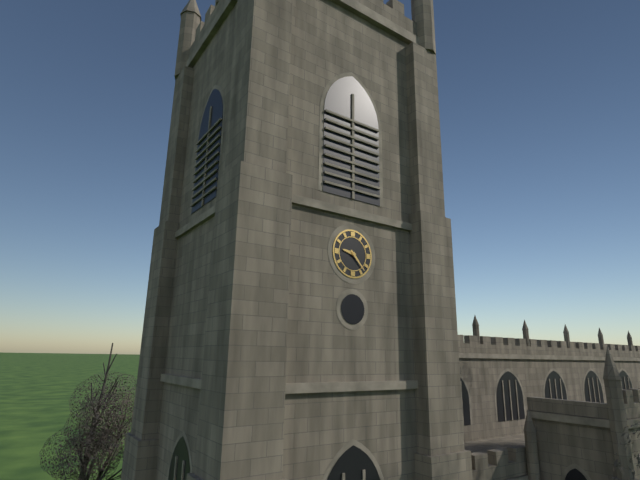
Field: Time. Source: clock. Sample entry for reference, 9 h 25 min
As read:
9 h 23 min
